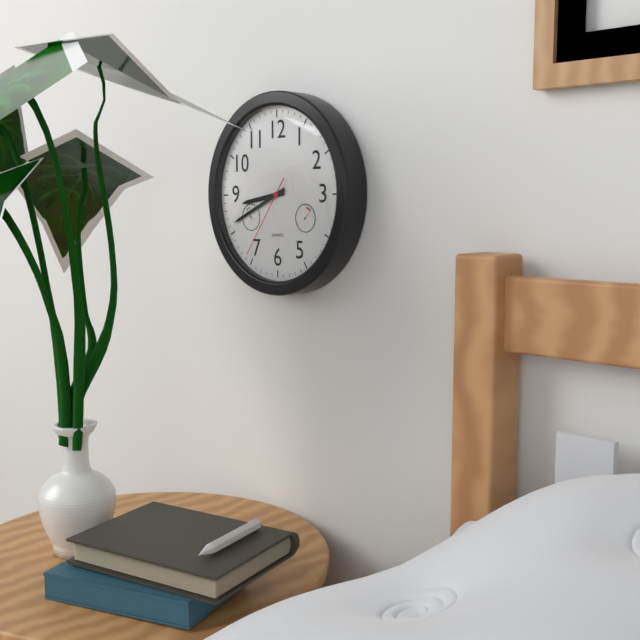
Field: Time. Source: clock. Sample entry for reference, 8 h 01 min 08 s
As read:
8 h 41 min 36 s
